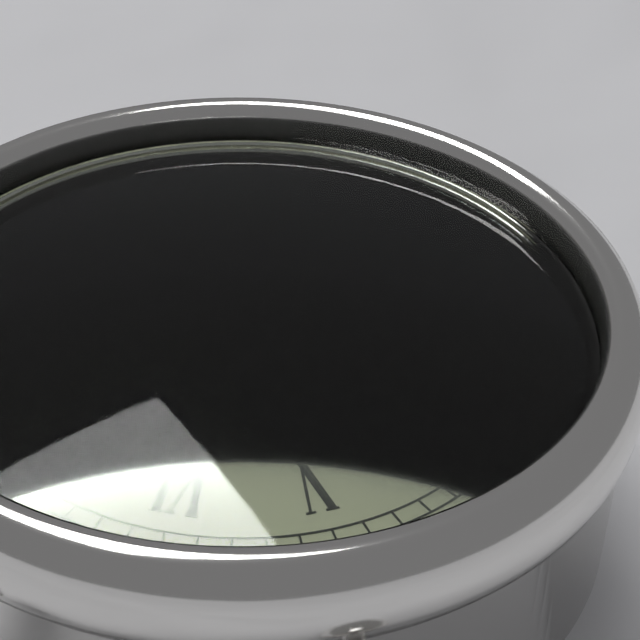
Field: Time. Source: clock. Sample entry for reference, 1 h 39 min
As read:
5 h 18 min
